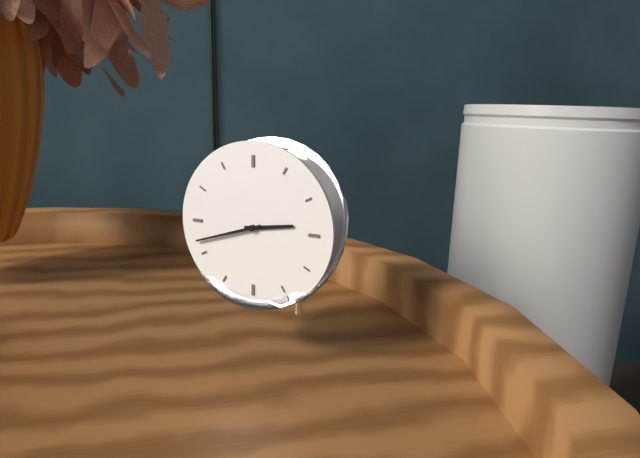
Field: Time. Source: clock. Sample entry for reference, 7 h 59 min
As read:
2 h 42 min
